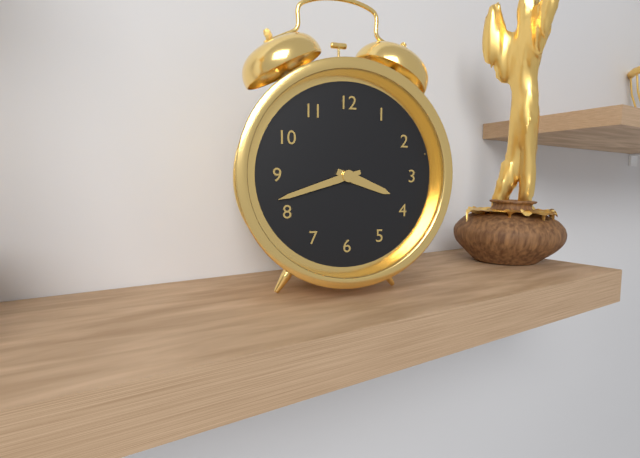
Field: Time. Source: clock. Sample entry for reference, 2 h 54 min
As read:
3 h 42 min
